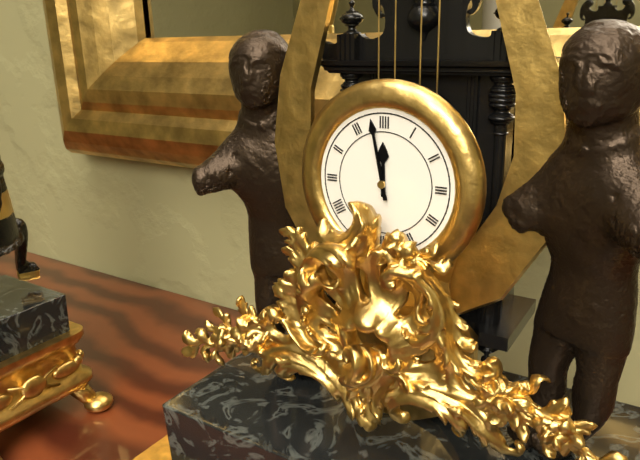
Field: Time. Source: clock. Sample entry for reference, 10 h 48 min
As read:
11 h 58 min
